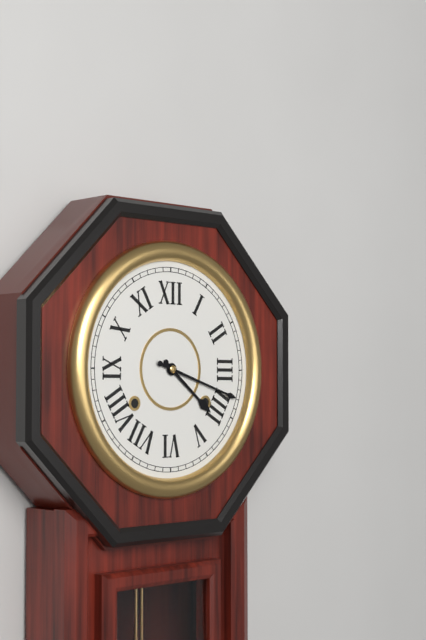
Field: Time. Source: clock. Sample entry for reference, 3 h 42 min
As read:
4 h 18 min
